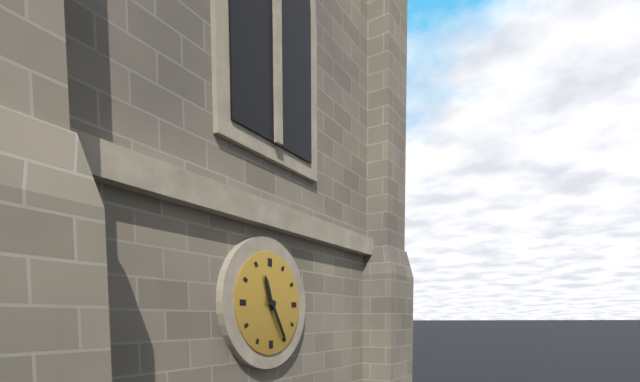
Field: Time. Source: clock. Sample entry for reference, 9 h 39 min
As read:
11 h 25 min
